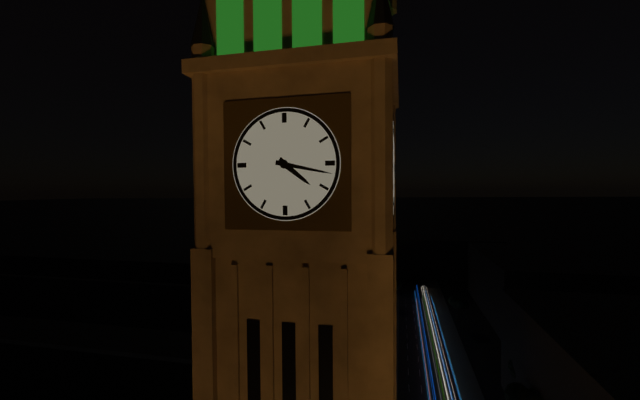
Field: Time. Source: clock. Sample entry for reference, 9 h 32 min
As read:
4 h 17 min
